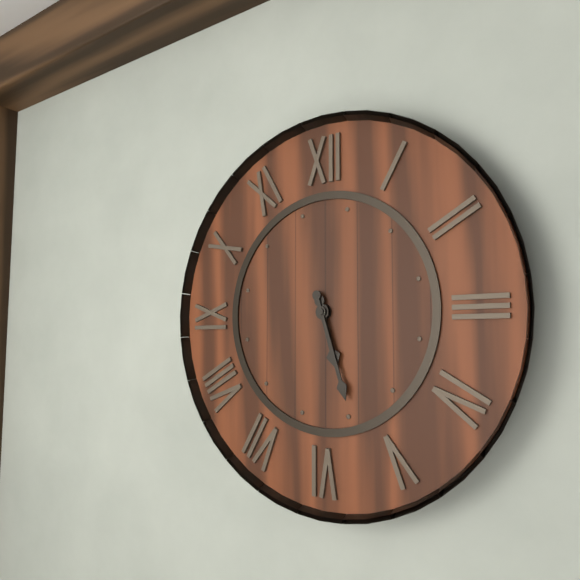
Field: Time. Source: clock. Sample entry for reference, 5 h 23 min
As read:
5 h 27 min
